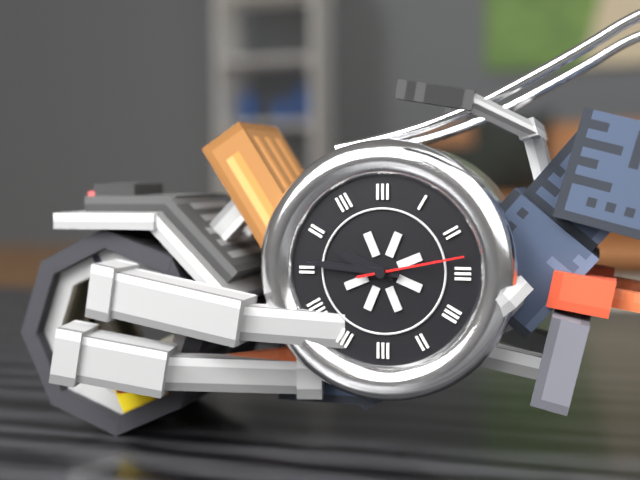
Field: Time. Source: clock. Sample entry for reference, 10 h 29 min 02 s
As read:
9 h 46 min 13 s
